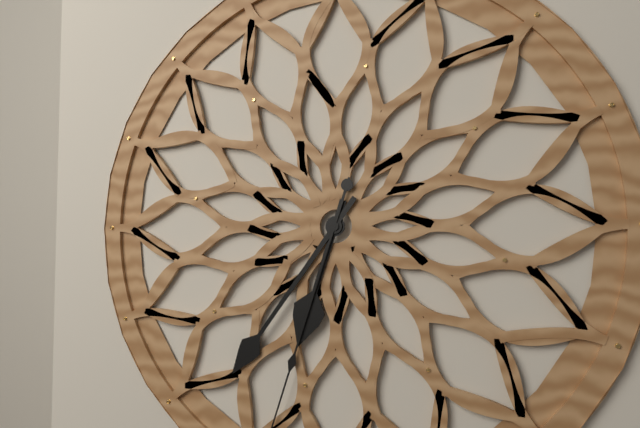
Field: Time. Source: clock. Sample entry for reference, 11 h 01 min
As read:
6 h 36 min
